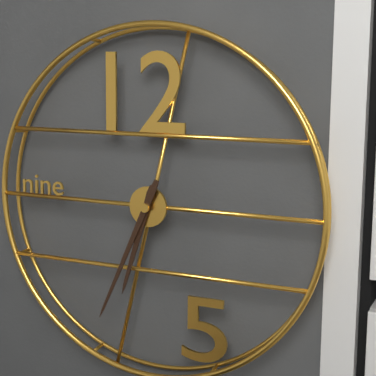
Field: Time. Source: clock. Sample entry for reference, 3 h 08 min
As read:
6 h 34 min
